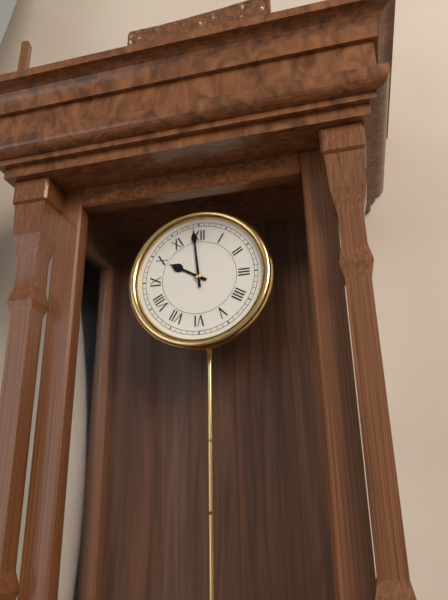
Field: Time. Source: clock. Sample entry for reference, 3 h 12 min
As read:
9 h 59 min
